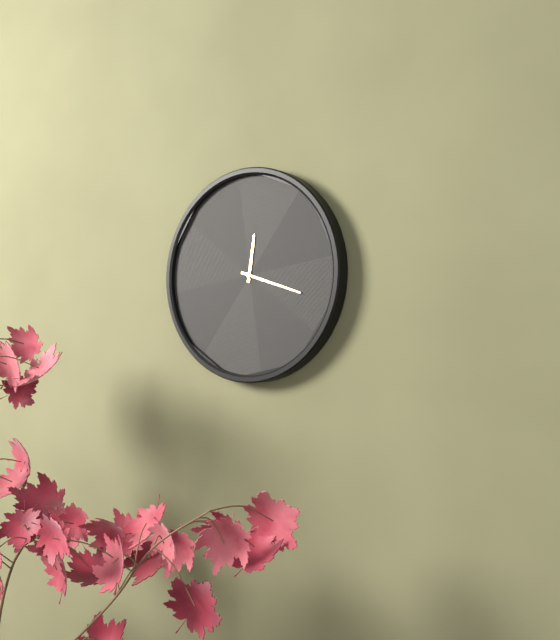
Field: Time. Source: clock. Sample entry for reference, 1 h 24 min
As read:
12 h 18 min
